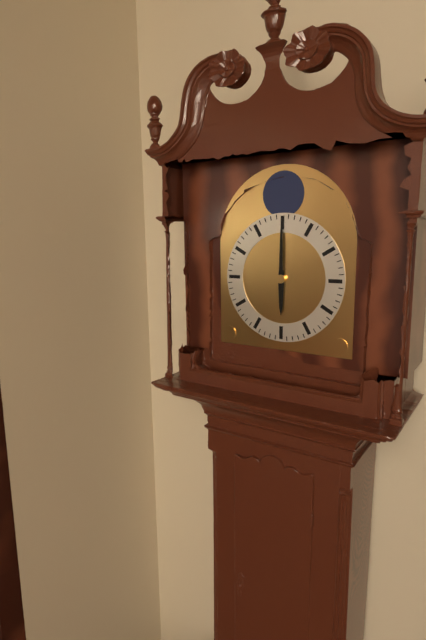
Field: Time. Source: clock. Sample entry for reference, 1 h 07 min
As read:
6 h 00 min
